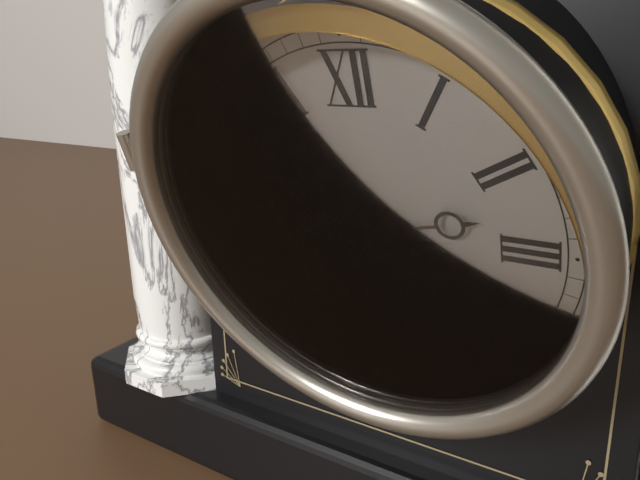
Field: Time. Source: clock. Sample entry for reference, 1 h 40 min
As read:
2 h 32 min
